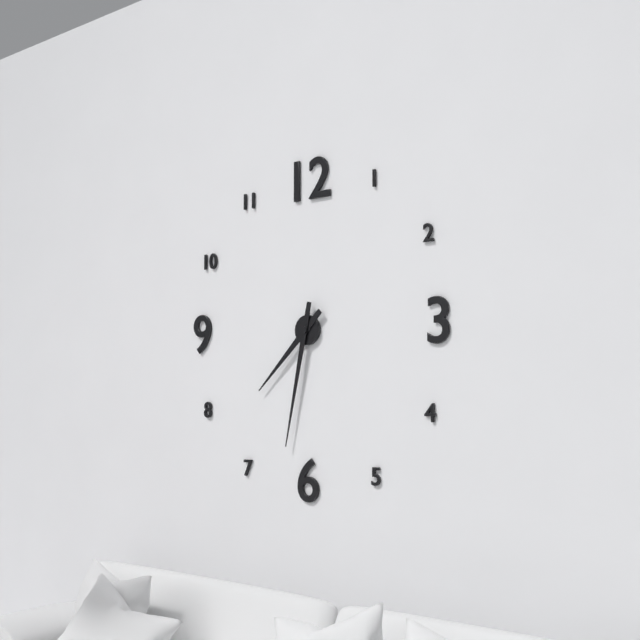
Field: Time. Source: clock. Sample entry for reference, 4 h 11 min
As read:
7 h 32 min
